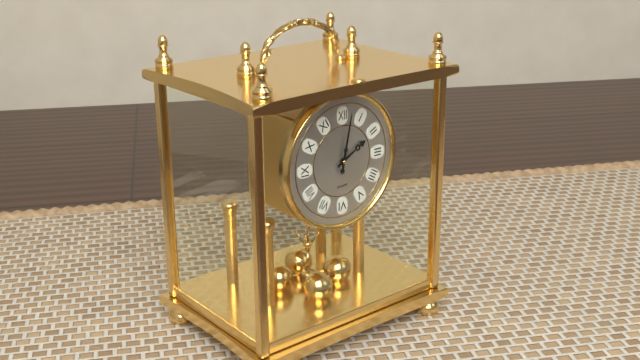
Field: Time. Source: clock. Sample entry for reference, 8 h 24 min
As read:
2 h 02 min
